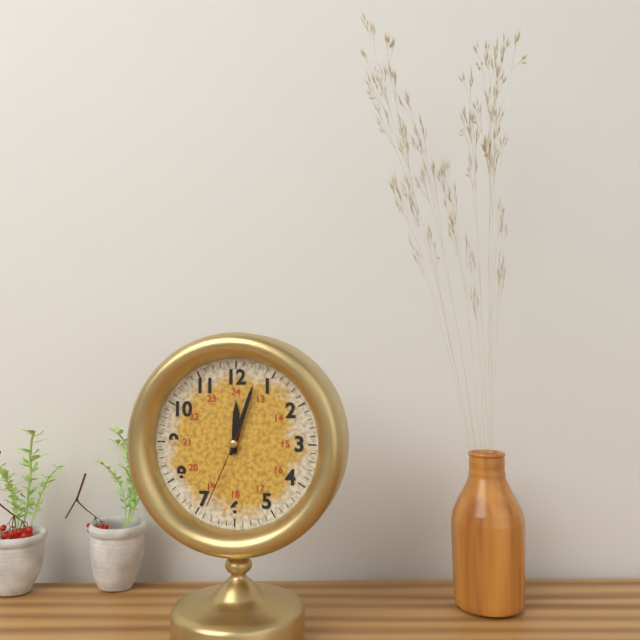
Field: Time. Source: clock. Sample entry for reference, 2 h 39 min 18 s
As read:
12 h 03 min 34 s
